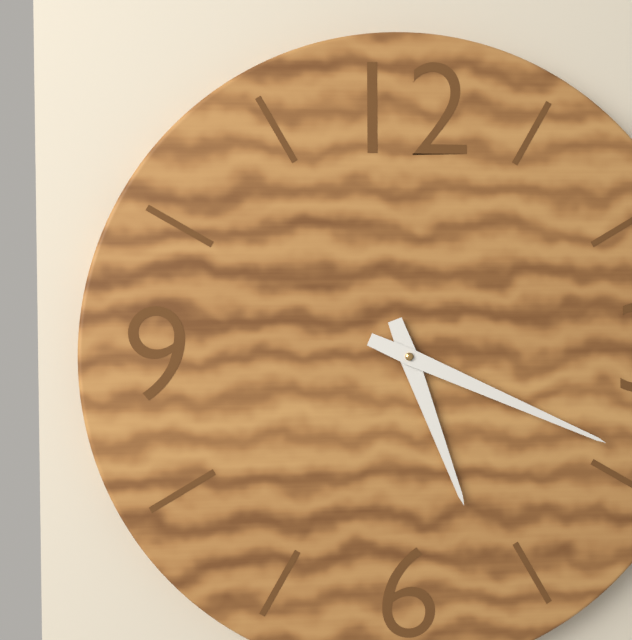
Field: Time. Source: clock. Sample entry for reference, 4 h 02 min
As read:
5 h 19 min
